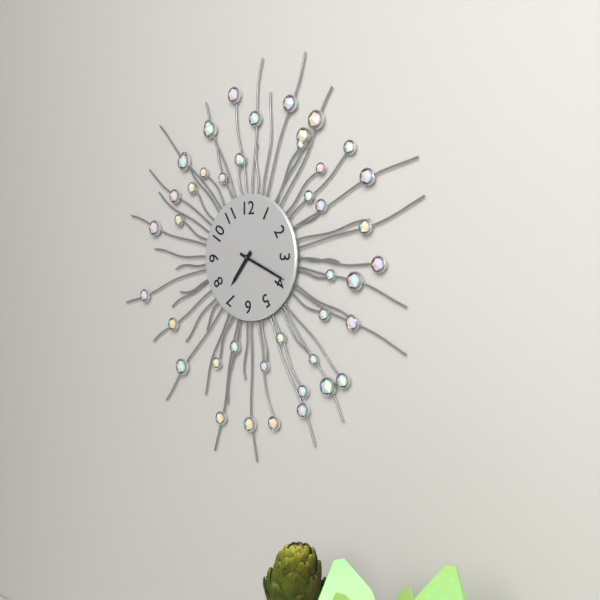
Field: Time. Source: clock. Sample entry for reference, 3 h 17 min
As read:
7 h 19 min
